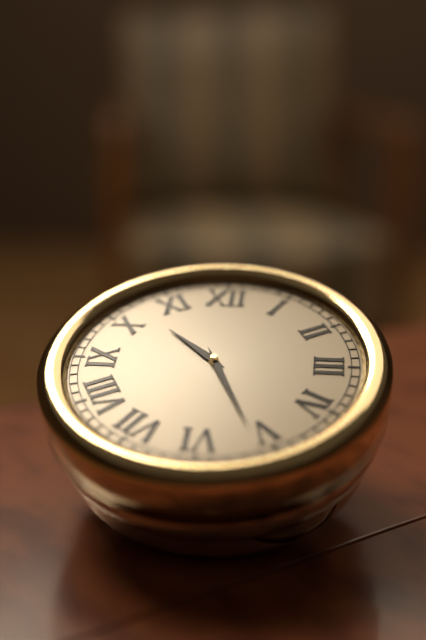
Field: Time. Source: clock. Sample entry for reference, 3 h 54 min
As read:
10 h 26 min
